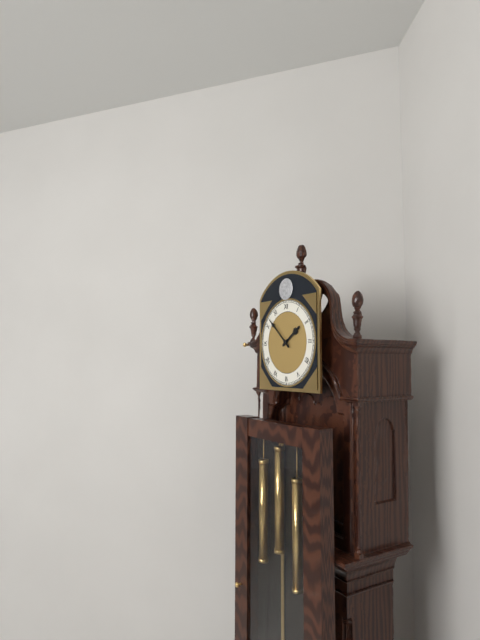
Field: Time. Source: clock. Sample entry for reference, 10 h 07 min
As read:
1 h 52 min
